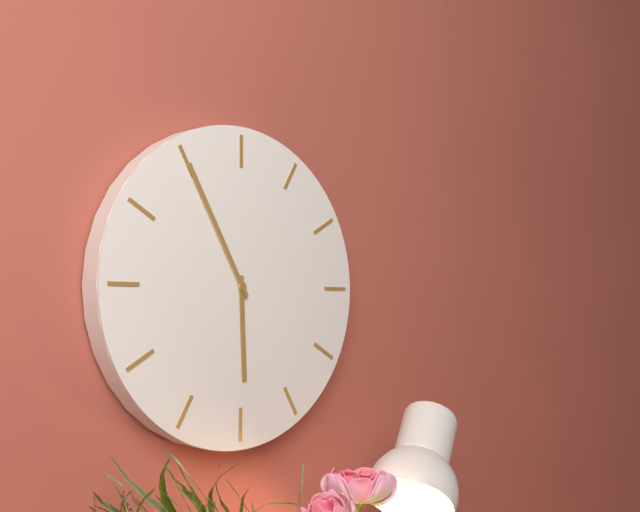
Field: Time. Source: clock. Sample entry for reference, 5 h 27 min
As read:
5 h 55 min
